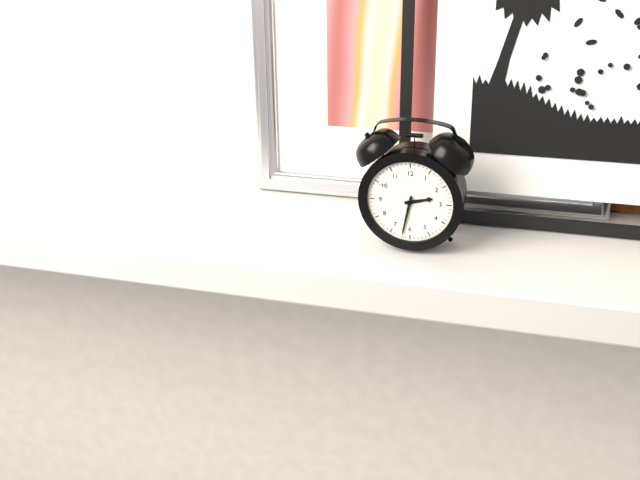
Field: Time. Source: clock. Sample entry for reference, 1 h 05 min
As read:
2 h 32 min
